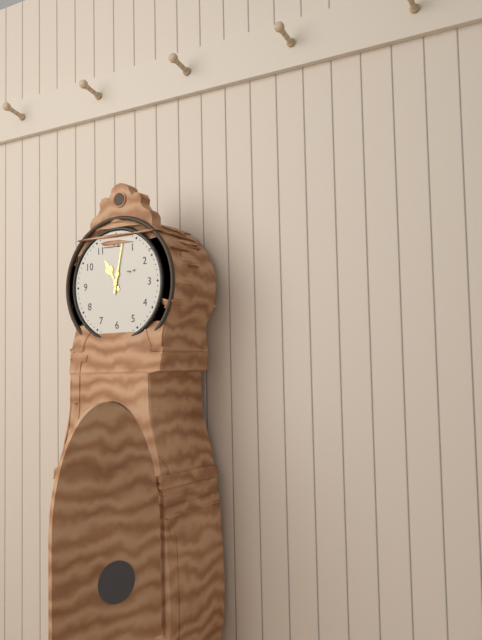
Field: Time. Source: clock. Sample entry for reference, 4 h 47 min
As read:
11 h 02 min
